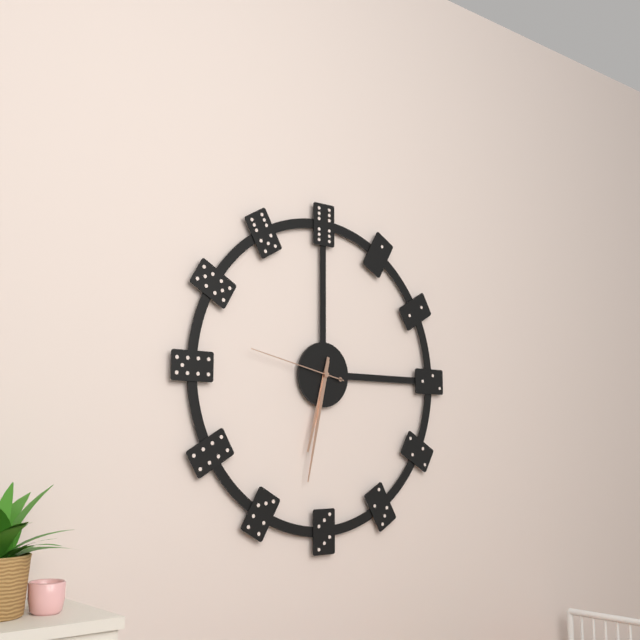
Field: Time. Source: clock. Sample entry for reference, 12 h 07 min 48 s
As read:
6 h 32 min 47 s
